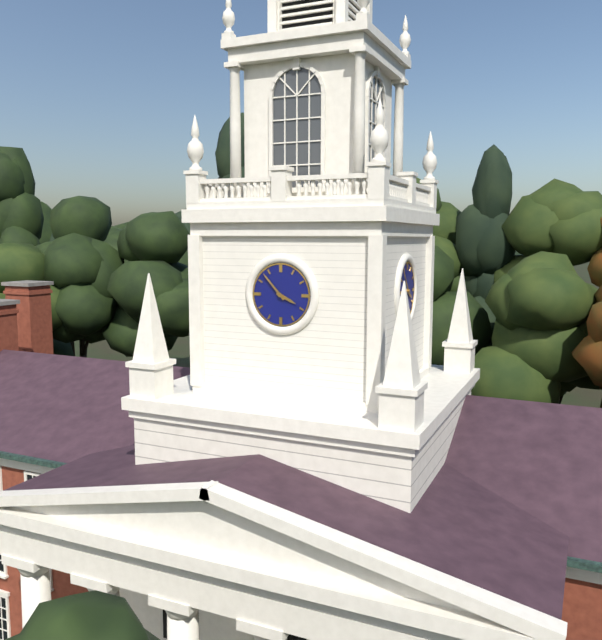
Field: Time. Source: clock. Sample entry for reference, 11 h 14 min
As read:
3 h 53 min
